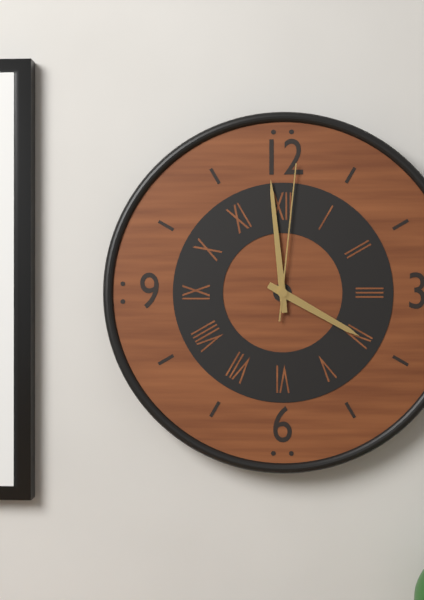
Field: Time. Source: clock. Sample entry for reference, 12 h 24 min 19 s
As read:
3 h 59 min 01 s
